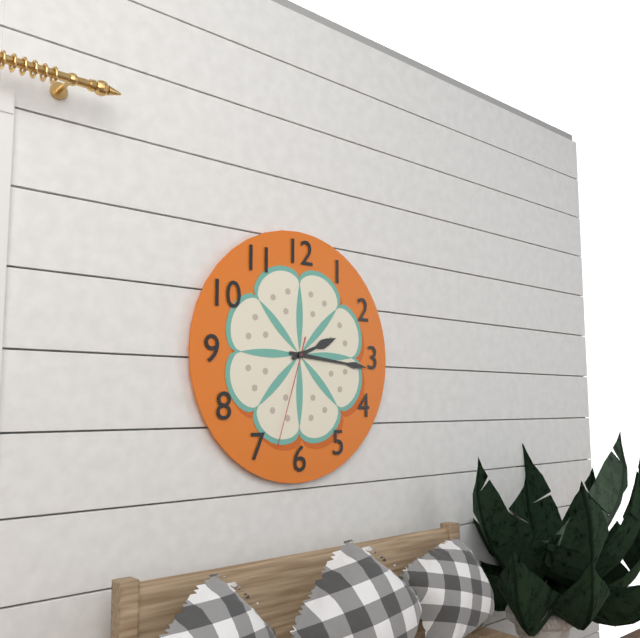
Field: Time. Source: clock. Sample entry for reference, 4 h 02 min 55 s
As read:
2 h 16 min 33 s
